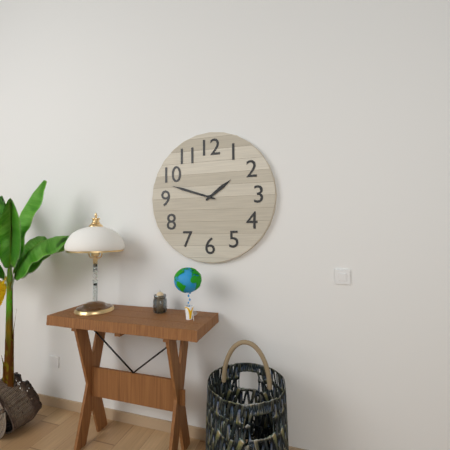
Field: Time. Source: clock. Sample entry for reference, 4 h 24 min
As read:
1 h 48 min
